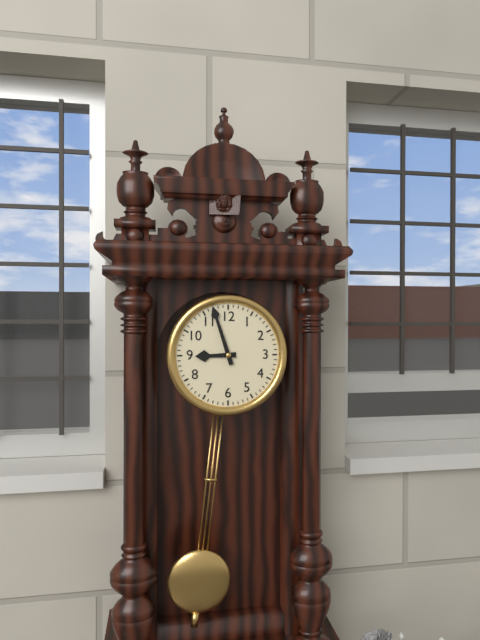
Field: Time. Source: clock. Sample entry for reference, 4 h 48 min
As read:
8 h 57 min
